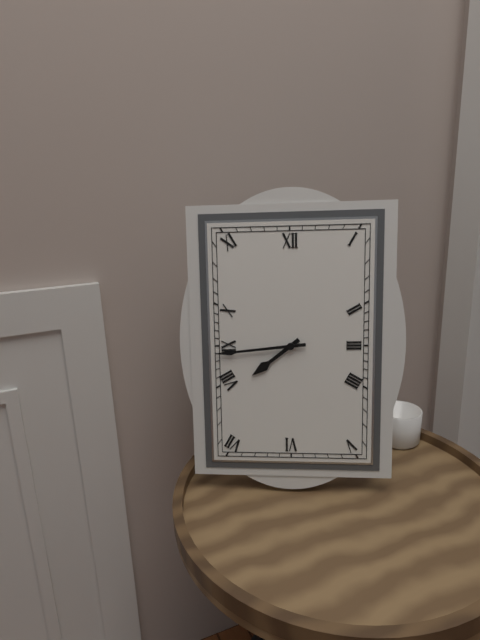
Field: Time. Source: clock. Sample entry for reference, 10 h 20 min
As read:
7 h 44 min
